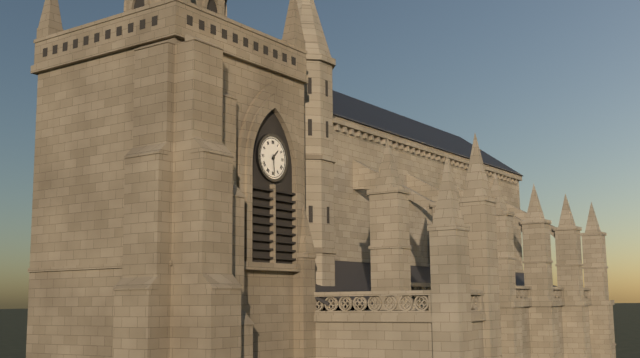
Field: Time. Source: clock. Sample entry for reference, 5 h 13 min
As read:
1 h 29 min
